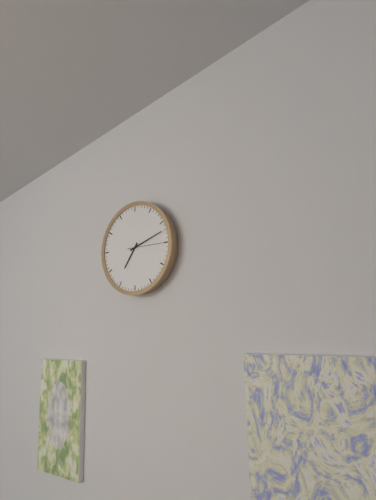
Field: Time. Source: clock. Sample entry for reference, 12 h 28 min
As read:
7 h 12 min
